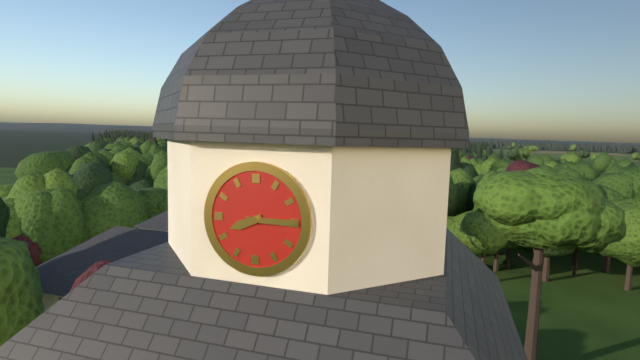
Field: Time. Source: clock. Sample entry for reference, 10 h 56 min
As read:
8 h 15 min
